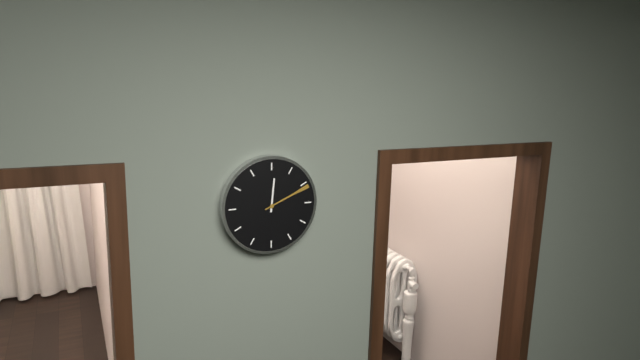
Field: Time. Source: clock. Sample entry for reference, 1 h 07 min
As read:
12 h 11 min
